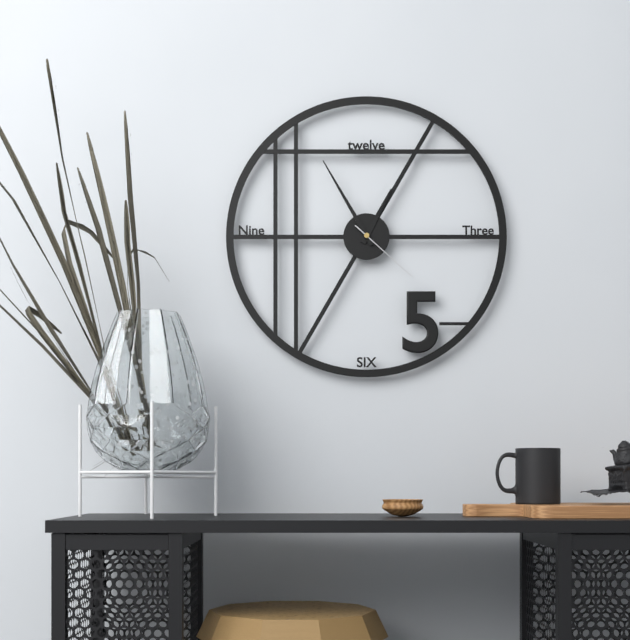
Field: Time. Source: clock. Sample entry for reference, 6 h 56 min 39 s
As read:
12 h 55 min 22 s
